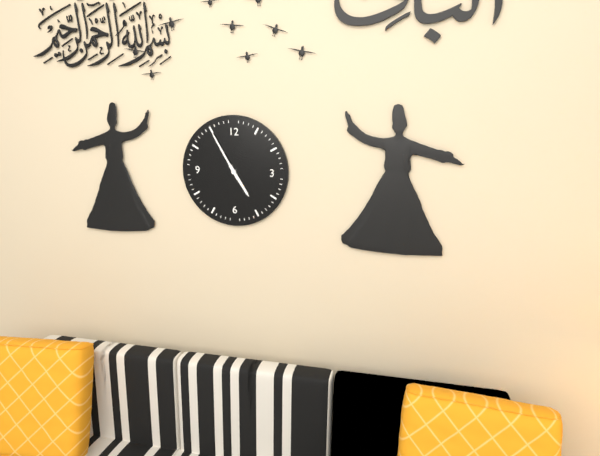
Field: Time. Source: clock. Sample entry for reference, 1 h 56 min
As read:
4 h 55 min
